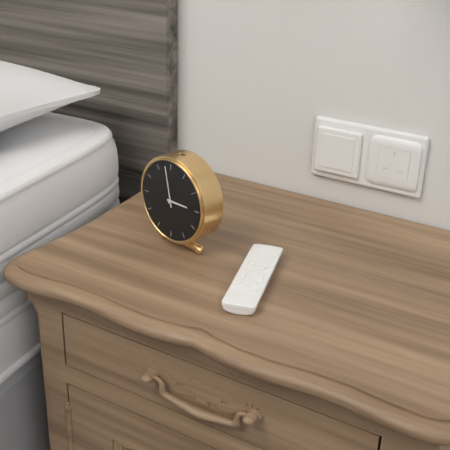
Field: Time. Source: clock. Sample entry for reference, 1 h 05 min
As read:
2 h 58 min
